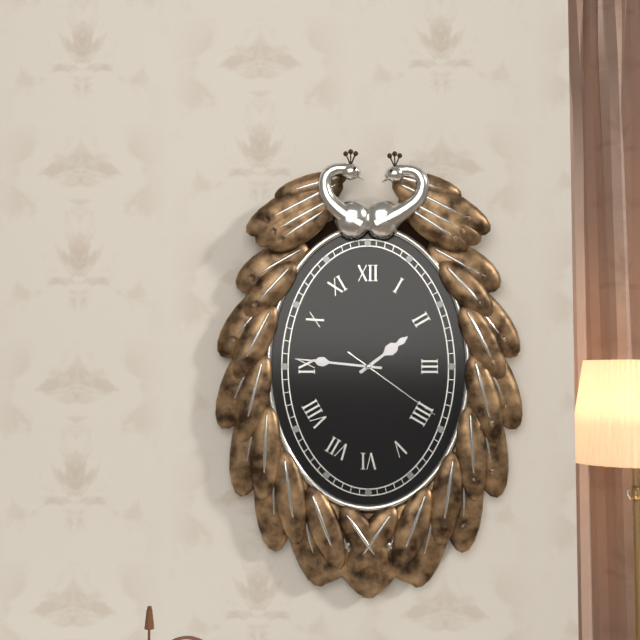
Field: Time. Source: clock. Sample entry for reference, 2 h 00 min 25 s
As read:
1 h 46 min 21 s
